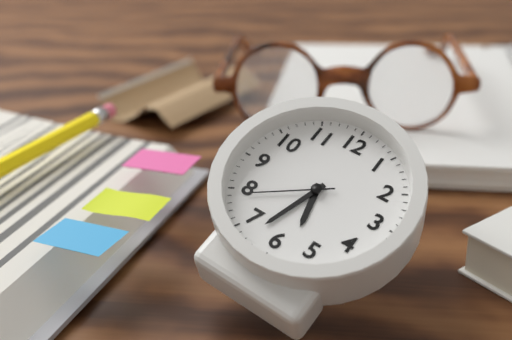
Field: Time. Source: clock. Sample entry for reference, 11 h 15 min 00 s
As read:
5 h 33 min 39 s
